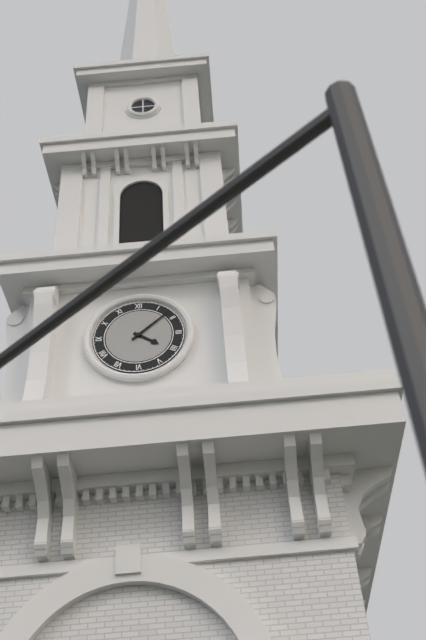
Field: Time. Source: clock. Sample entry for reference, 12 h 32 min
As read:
4 h 08 min
